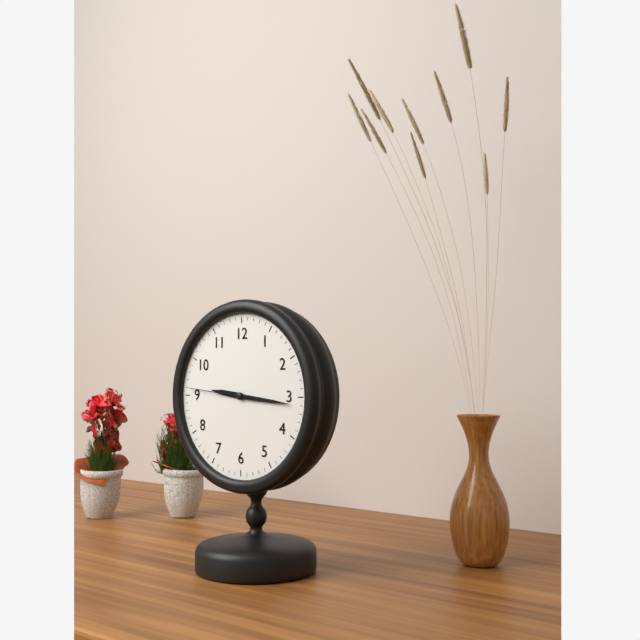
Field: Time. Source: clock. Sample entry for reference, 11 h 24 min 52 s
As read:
9 h 16 min 46 s
